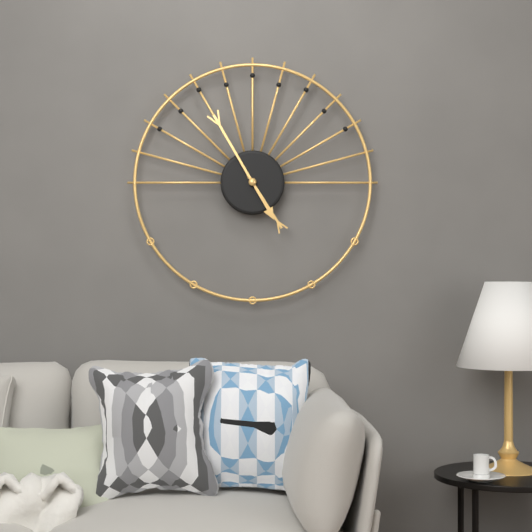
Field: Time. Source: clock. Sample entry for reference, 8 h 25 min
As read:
4 h 55 min
